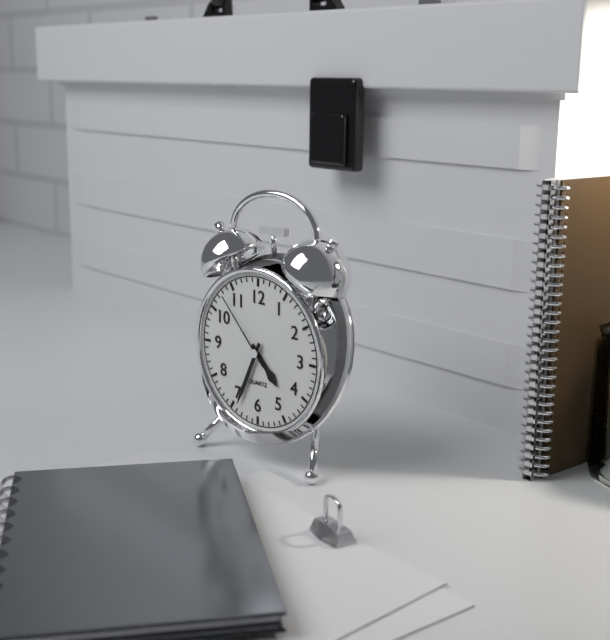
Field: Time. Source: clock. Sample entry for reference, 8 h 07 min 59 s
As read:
4 h 34 min 53 s
